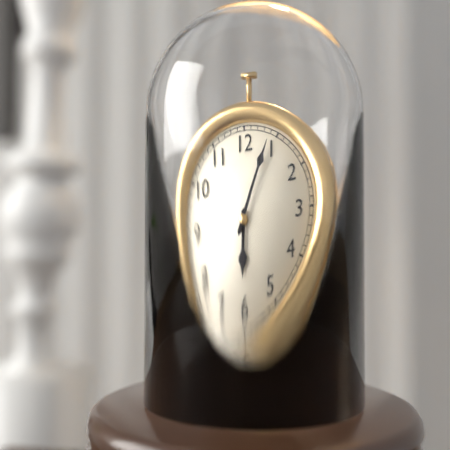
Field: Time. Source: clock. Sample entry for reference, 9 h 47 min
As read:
6 h 04 min
